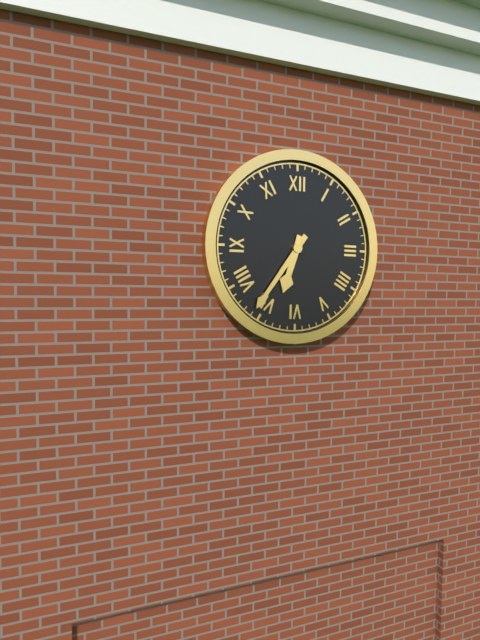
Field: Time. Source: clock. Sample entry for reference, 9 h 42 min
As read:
6 h 36 min
